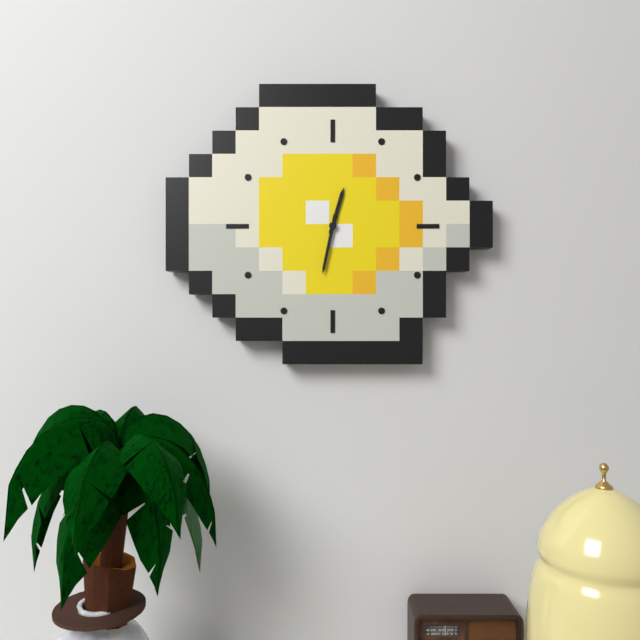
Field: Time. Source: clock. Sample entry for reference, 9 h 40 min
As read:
12 h 32 min
